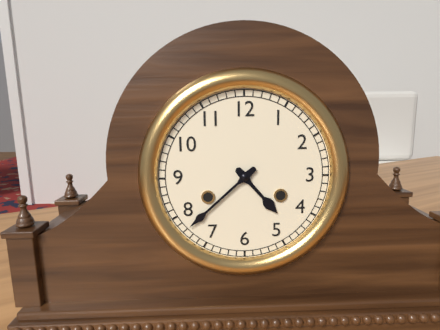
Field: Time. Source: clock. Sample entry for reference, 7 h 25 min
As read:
4 h 38 min
